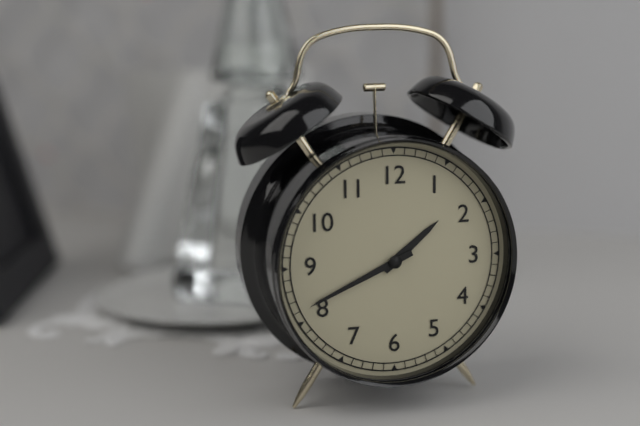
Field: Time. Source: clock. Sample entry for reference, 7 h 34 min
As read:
1 h 41 min
